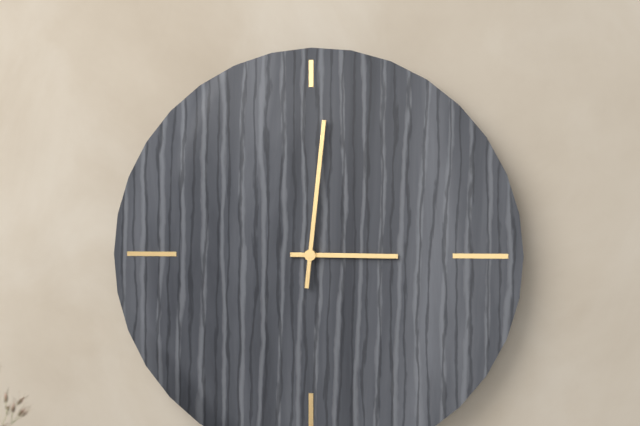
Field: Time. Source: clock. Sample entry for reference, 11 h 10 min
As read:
3 h 01 min
